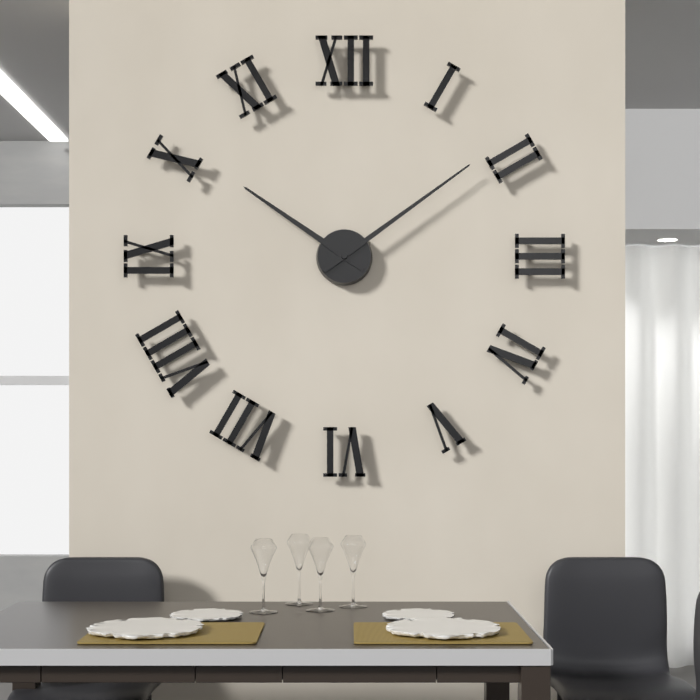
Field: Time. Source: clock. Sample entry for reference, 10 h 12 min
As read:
10 h 09 min
